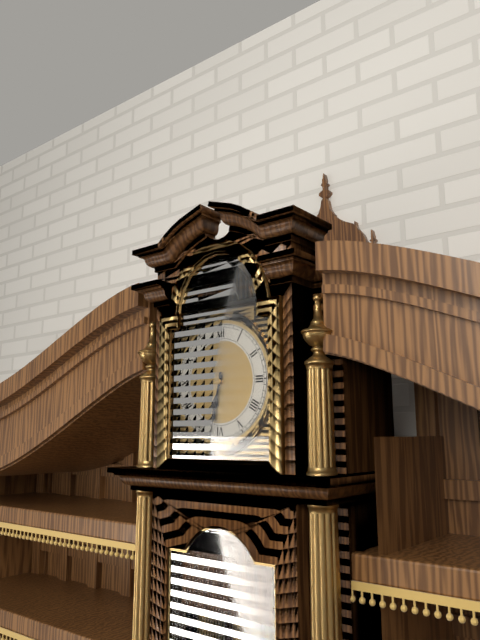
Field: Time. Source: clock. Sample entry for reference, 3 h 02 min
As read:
6 h 32 min
